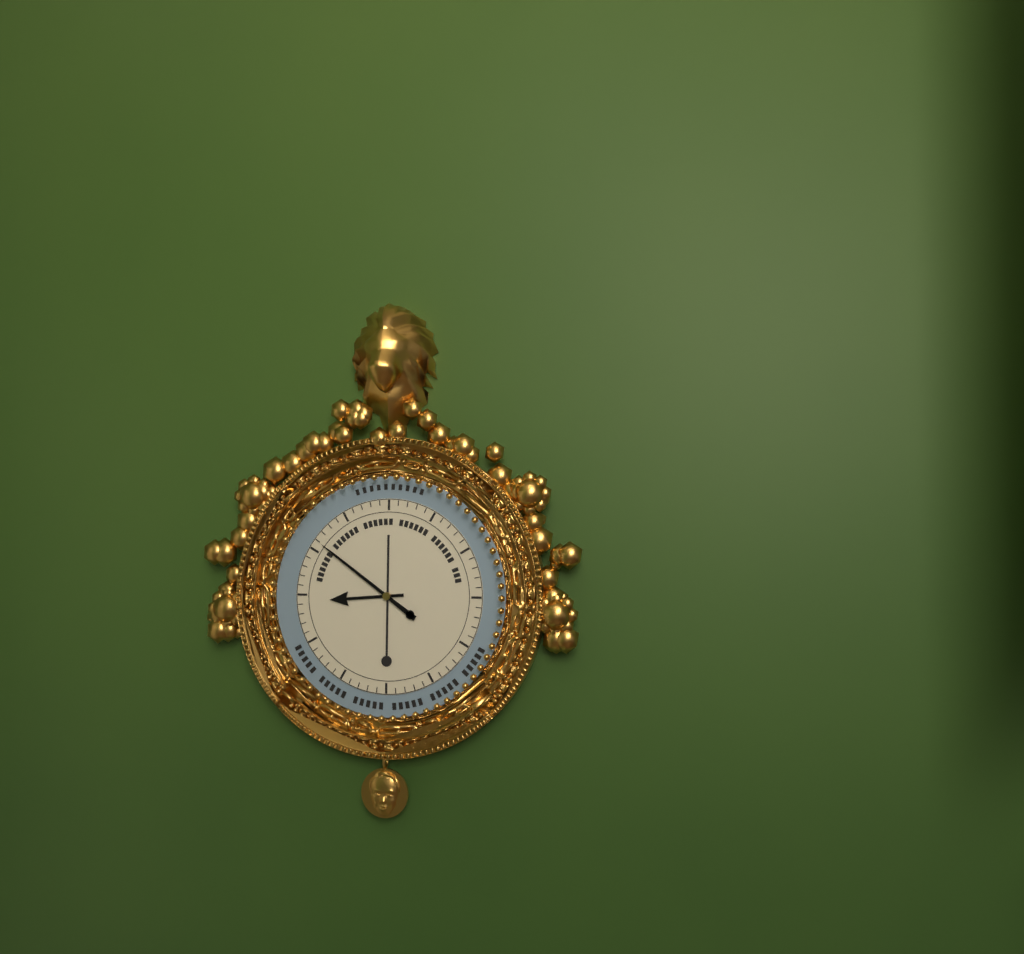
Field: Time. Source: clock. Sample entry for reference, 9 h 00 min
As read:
8 h 51 min
